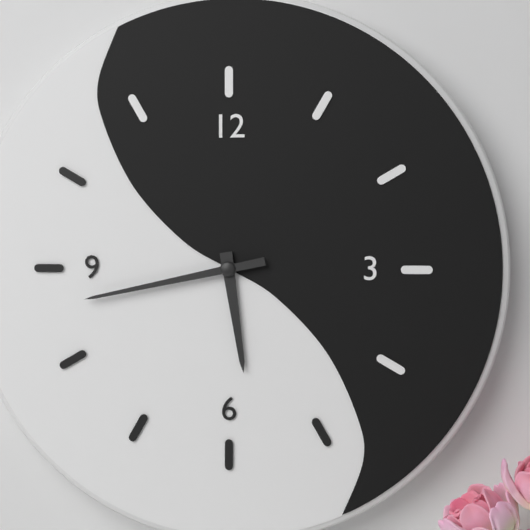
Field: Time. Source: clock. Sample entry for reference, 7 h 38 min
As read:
5 h 43 min
